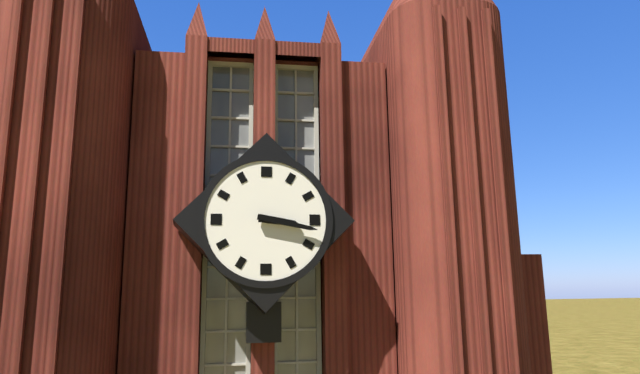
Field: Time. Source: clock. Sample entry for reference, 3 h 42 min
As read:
3 h 17 min
